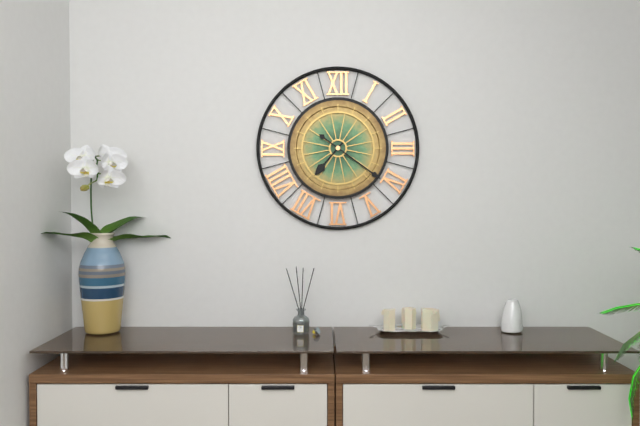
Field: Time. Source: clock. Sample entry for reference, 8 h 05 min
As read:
7 h 21 min
